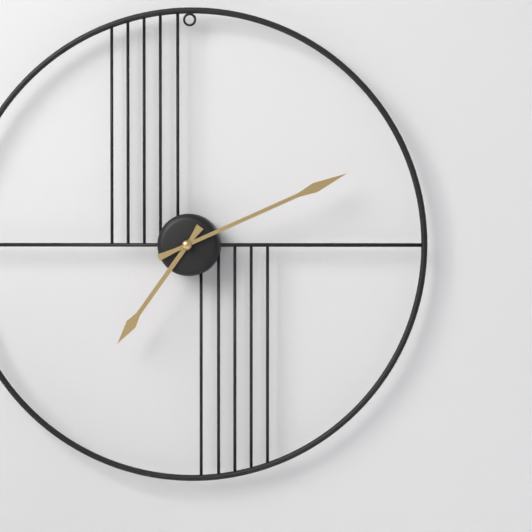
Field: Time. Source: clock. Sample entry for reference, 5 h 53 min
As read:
7 h 11 min
